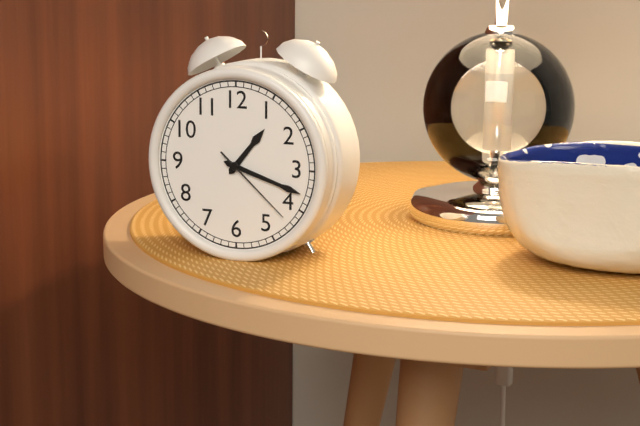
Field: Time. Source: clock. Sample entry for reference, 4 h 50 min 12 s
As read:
1 h 18 min 22 s
